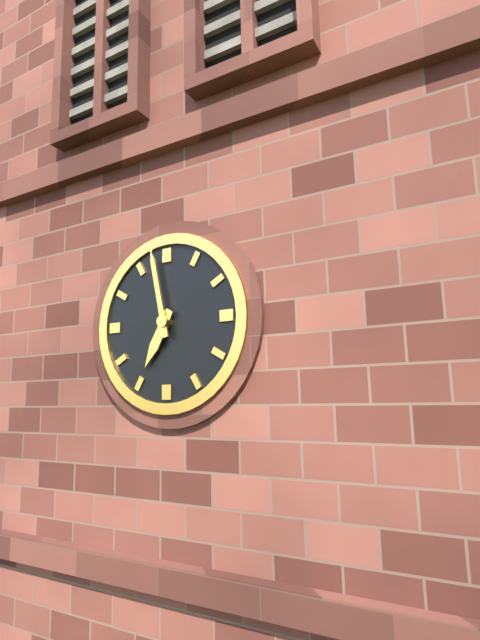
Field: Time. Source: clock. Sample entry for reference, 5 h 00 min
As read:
6 h 58 min
